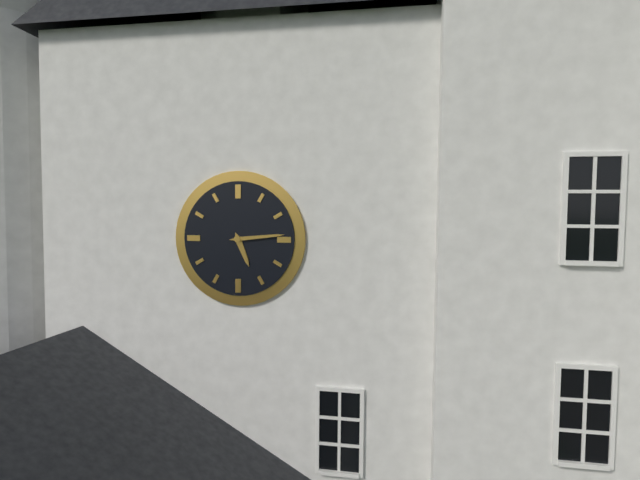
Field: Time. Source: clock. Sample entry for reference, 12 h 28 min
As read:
5 h 14 min
